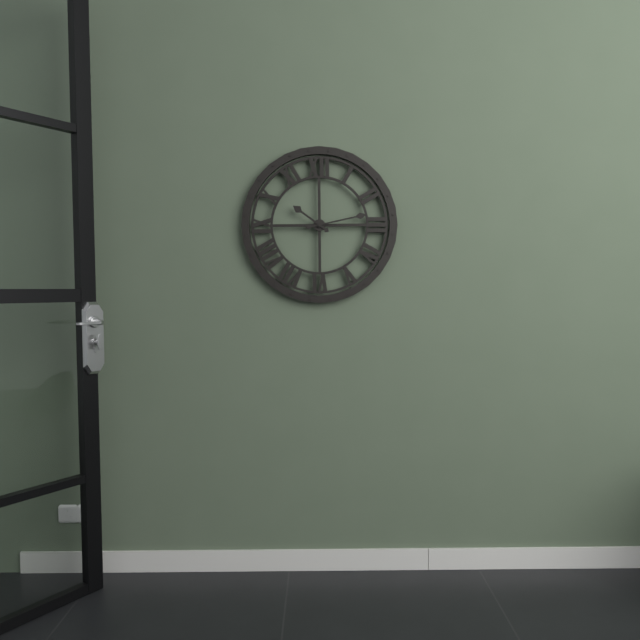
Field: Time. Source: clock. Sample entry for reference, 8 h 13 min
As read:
10 h 13 min
